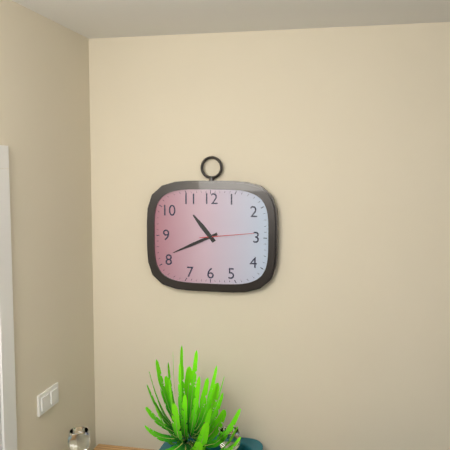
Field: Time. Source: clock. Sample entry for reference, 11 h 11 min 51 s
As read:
10 h 41 min 14 s
